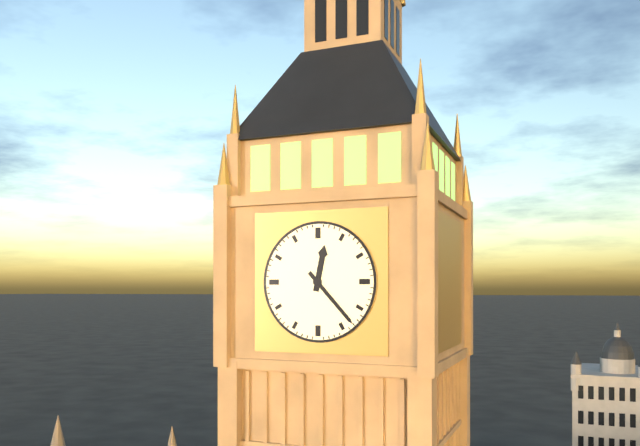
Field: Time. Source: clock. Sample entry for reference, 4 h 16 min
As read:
12 h 23 min
